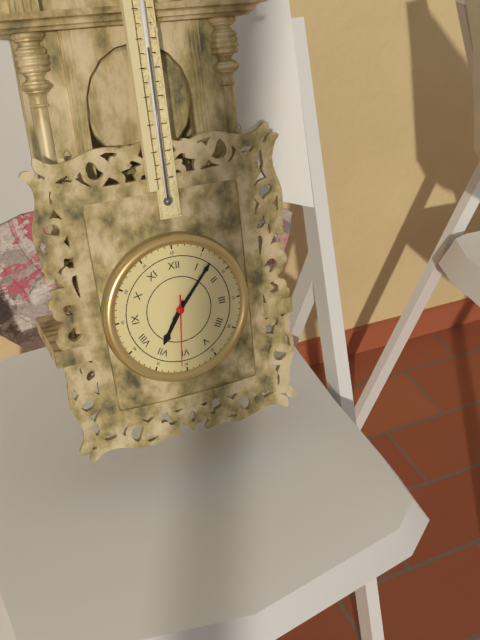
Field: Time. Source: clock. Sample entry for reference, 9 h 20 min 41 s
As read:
7 h 07 min 31 s
